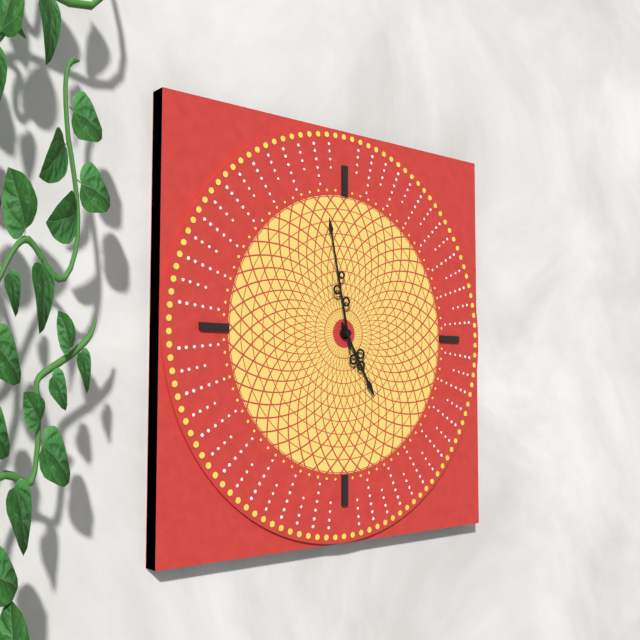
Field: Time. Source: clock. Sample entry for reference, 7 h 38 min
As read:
4 h 58 min
